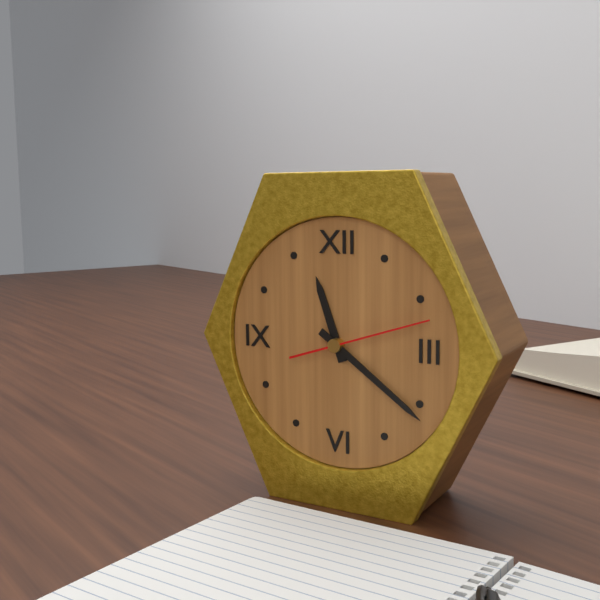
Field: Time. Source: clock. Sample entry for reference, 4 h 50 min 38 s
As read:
11 h 21 min 12 s
